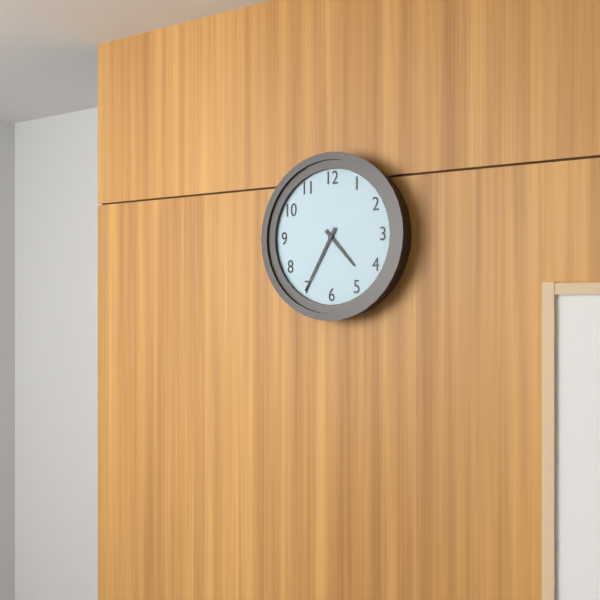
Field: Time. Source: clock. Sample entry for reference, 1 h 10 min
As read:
4 h 35 min
